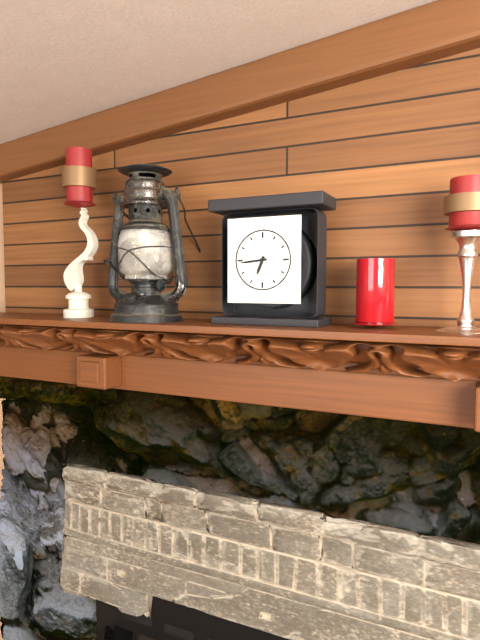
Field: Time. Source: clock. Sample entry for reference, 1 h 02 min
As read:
6 h 44 min
